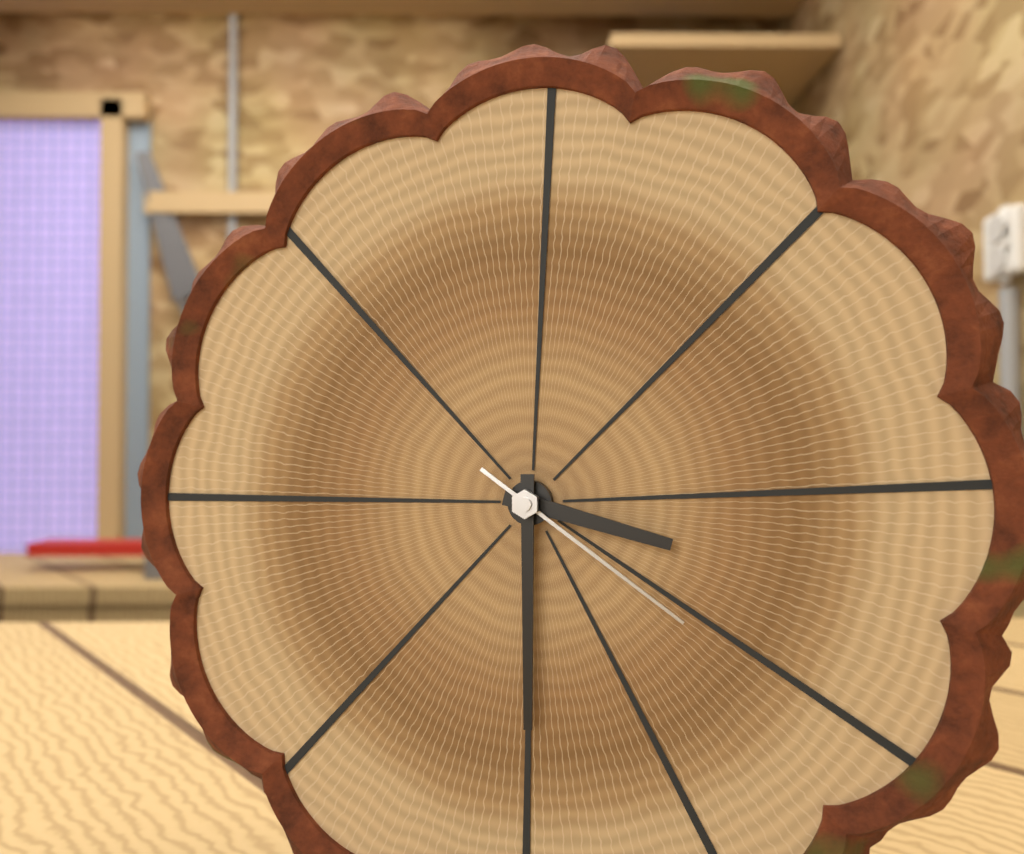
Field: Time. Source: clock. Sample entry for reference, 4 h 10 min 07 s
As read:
3 h 30 min 21 s
